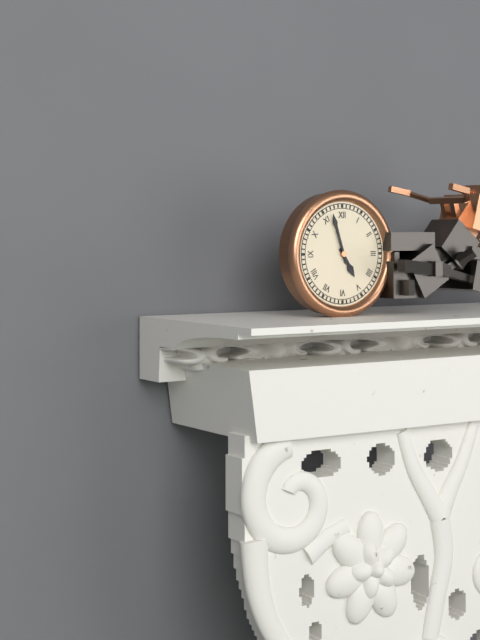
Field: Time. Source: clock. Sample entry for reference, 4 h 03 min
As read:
4 h 57 min
